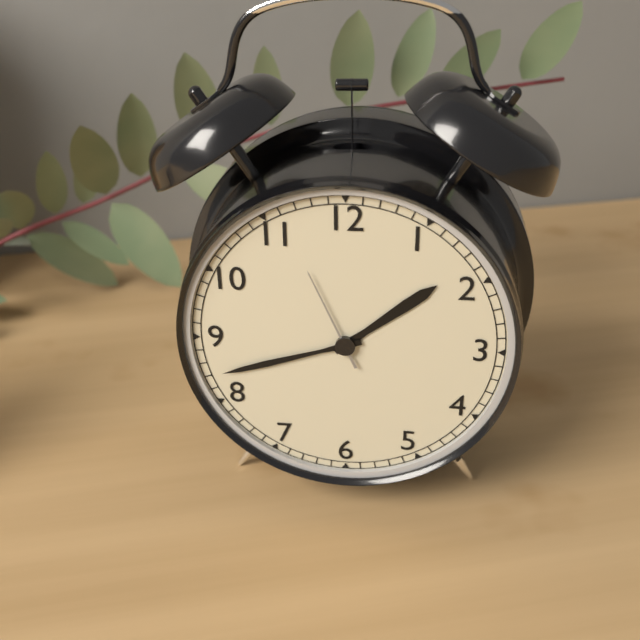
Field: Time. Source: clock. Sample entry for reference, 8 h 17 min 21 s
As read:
1 h 42 min 56 s
